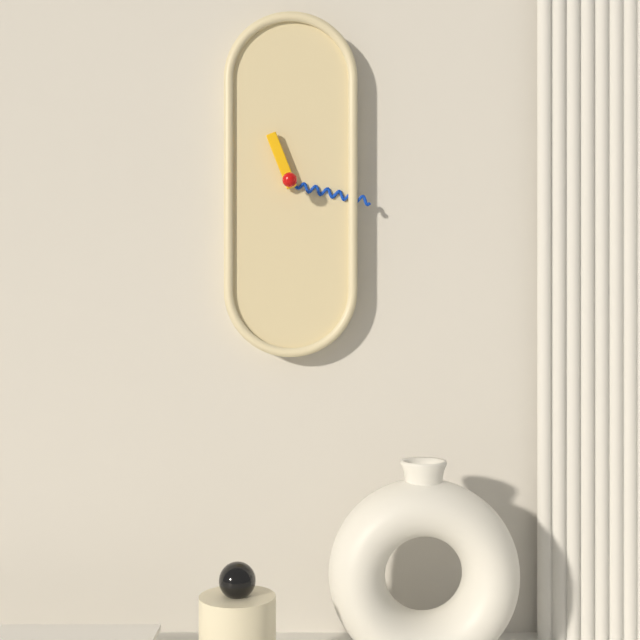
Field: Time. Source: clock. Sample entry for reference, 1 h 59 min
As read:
11 h 17 min
